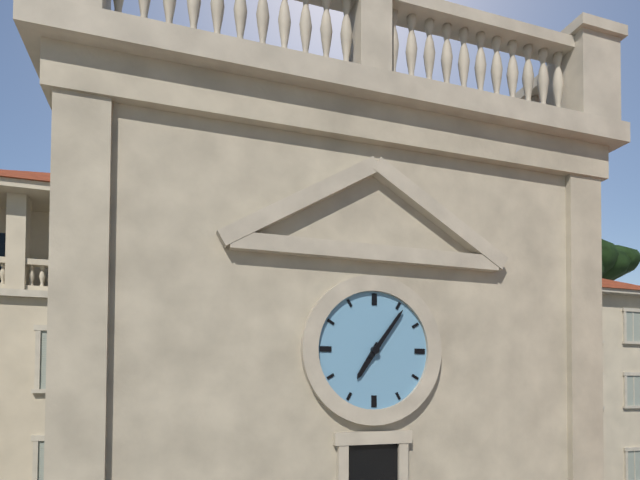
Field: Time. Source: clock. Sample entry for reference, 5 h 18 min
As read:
7 h 06 min
